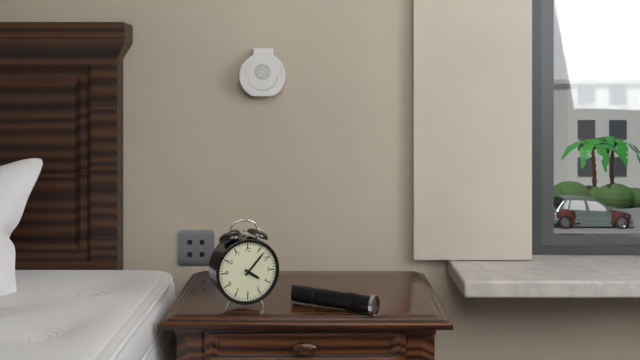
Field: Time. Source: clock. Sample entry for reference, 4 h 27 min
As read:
4 h 07 min
